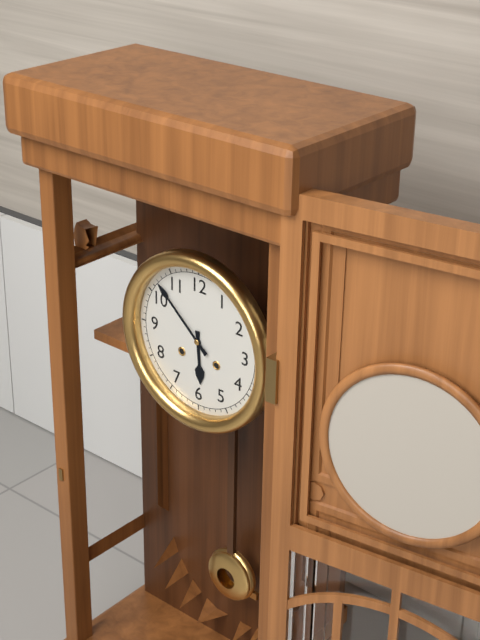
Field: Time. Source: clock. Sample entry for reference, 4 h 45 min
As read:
5 h 52 min
